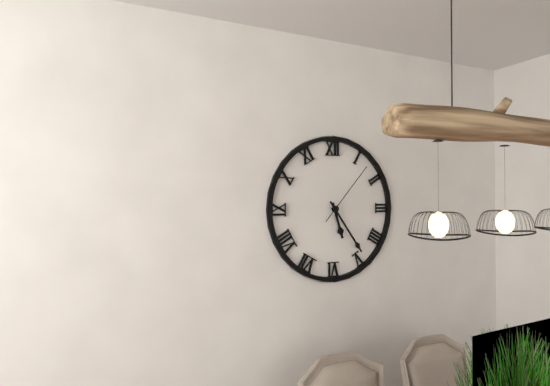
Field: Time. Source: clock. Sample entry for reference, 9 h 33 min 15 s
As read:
5 h 24 min 07 s
